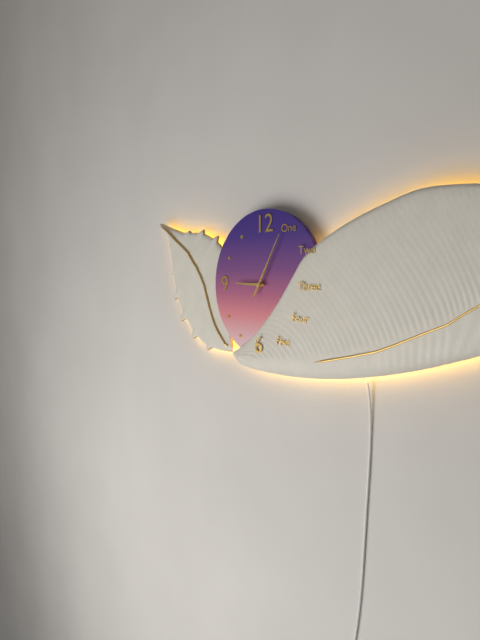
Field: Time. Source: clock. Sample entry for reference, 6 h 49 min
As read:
9 h 05 min
